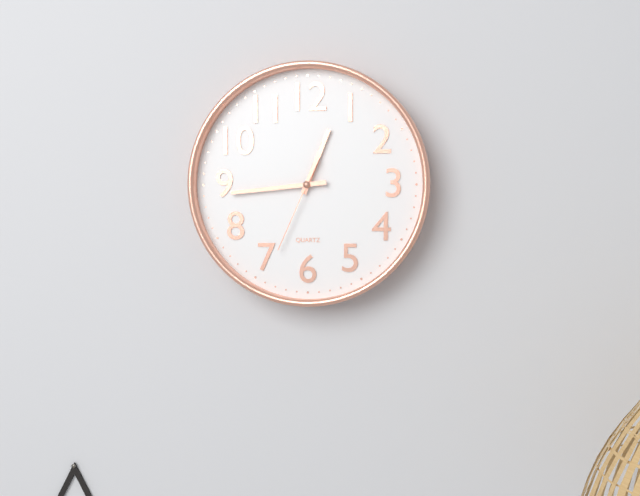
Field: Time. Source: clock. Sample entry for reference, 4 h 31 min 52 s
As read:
12 h 44 min 34 s
